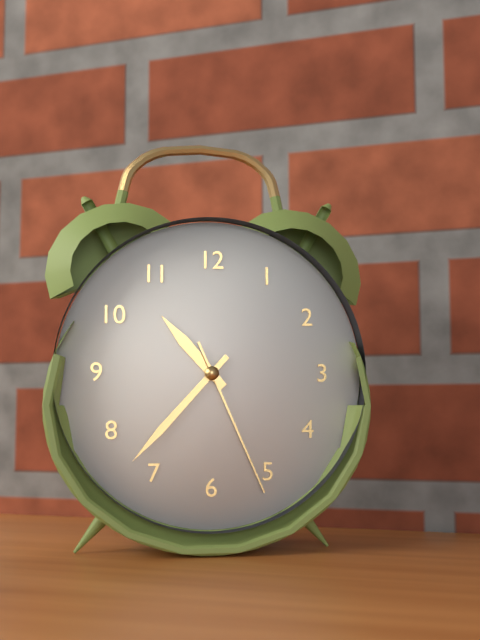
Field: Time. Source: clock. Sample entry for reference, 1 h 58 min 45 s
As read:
10 h 37 min 26 s
